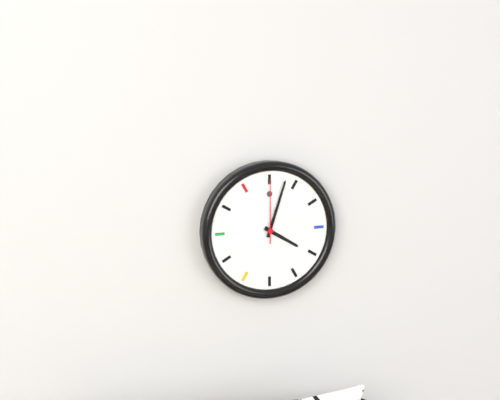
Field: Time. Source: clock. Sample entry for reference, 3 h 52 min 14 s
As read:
4 h 03 min 00 s
